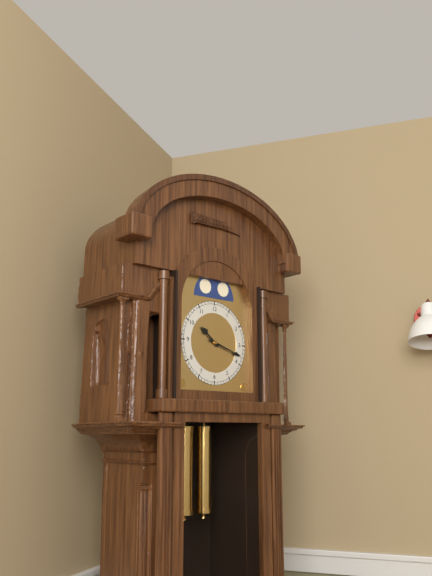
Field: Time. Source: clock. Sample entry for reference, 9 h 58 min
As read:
10 h 18 min
